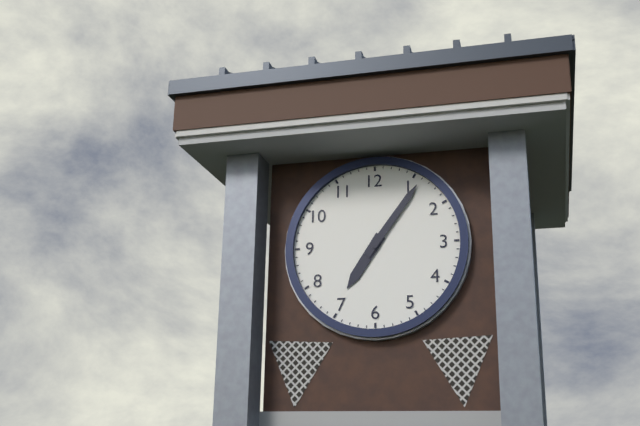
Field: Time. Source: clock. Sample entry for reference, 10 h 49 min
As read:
7 h 06 min
